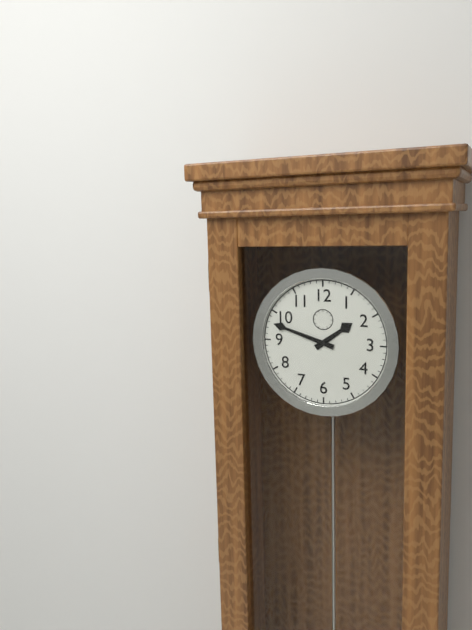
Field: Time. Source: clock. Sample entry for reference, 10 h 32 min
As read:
1 h 48 min
